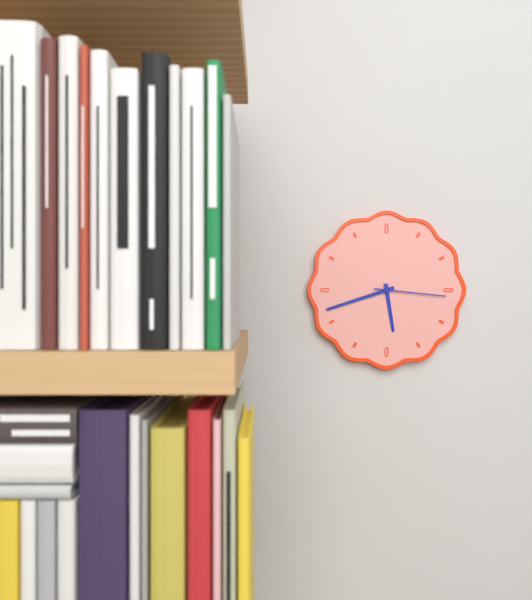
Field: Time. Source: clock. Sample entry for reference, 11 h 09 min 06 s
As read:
5 h 42 min 16 s
